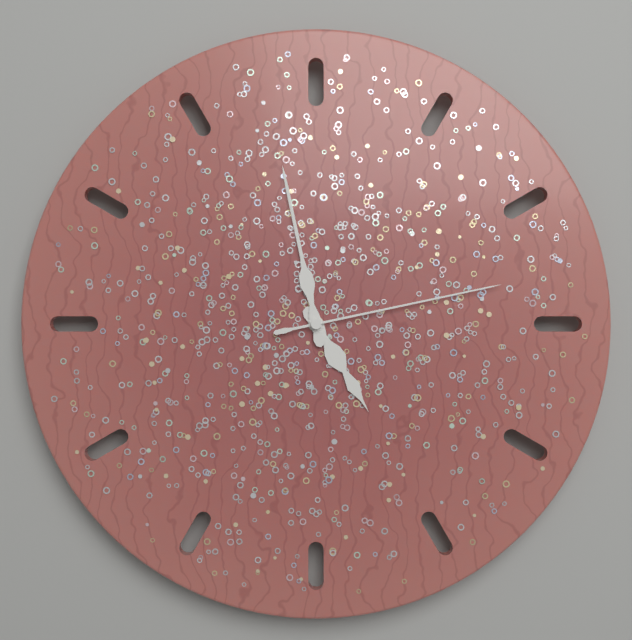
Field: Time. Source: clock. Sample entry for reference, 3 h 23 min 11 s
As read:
4 h 58 min 13 s
